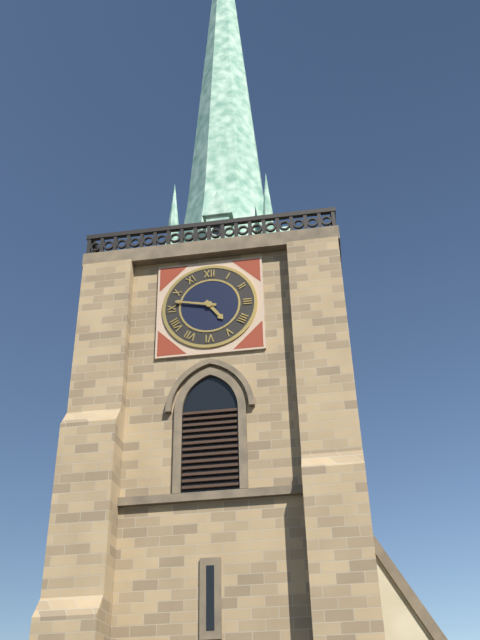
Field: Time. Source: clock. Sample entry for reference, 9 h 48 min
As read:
4 h 47 min
